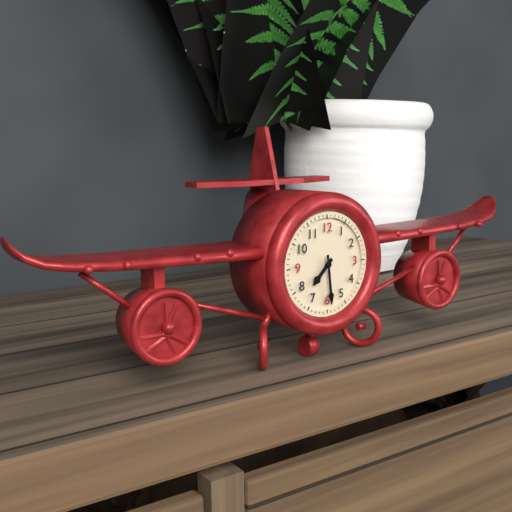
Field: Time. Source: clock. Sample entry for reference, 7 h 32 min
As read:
7 h 29 min
